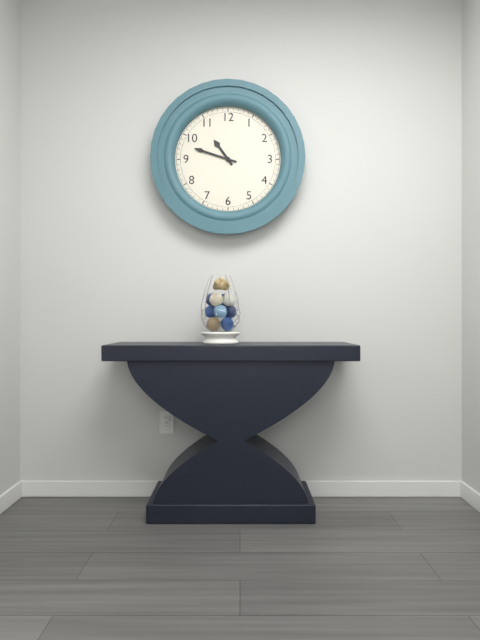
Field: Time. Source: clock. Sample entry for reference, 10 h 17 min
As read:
10 h 48 min
